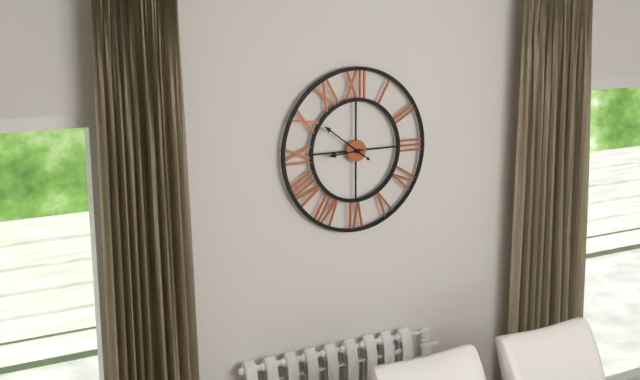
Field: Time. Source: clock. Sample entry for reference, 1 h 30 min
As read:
8 h 51 min
